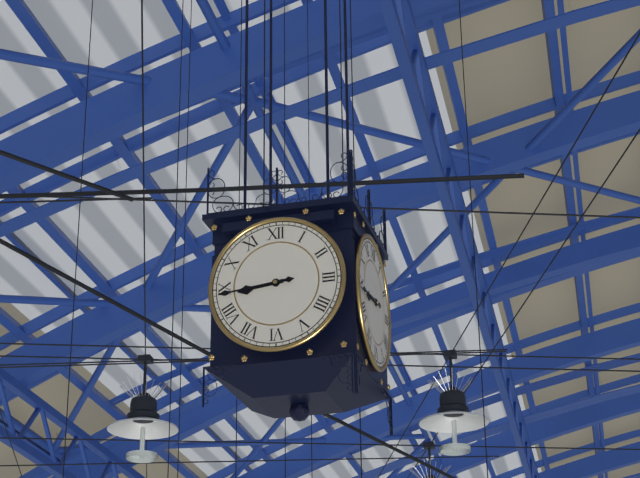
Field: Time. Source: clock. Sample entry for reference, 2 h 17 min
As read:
8 h 44 min
